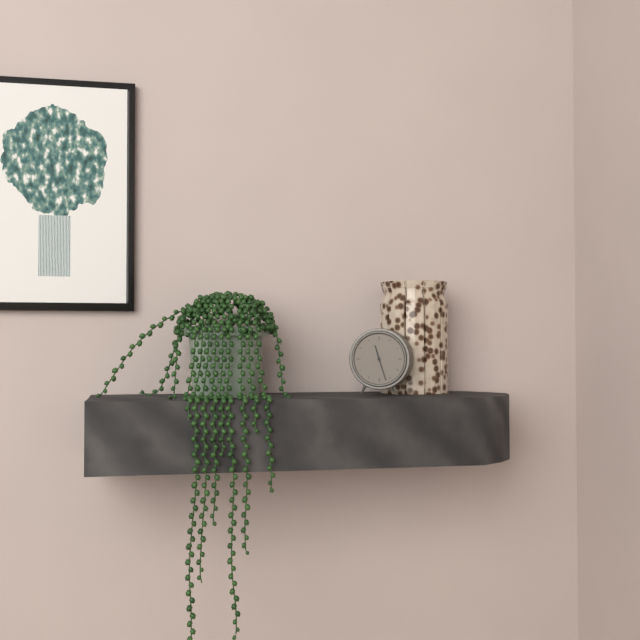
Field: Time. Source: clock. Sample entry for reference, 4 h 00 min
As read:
11 h 27 min
